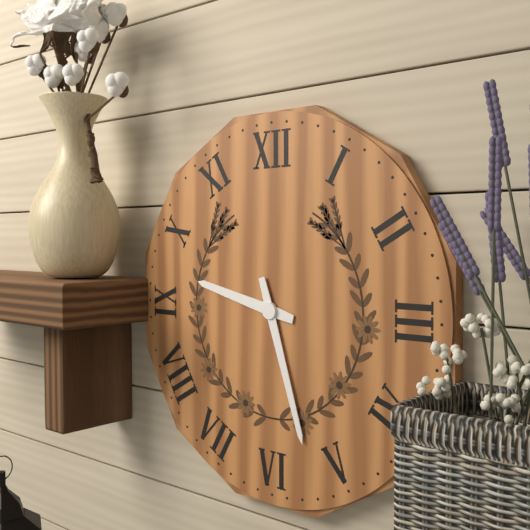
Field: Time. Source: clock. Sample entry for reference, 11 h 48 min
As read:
9 h 27 min
